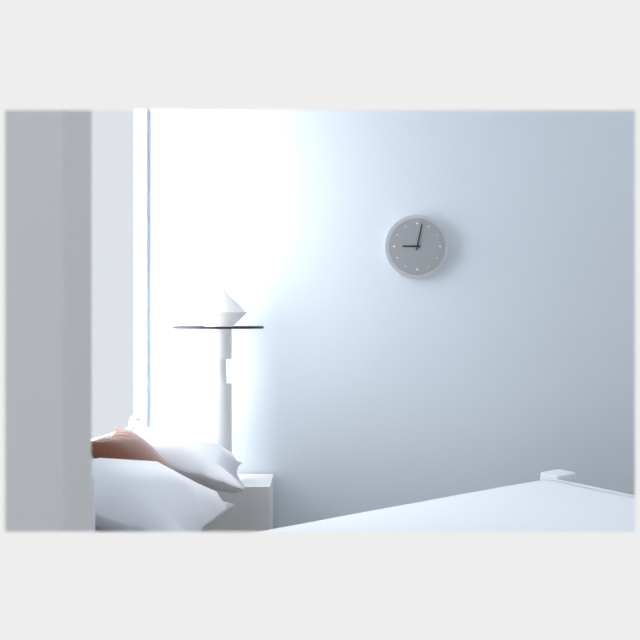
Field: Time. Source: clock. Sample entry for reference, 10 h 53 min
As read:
9 h 02 min
